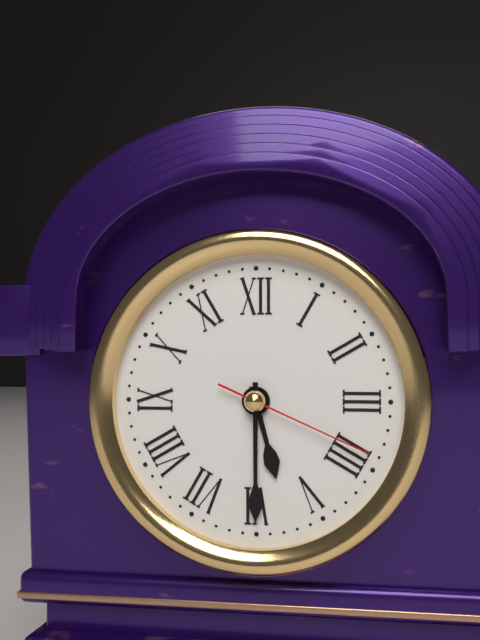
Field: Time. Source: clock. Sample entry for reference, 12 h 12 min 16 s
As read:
5 h 30 min 19 s
